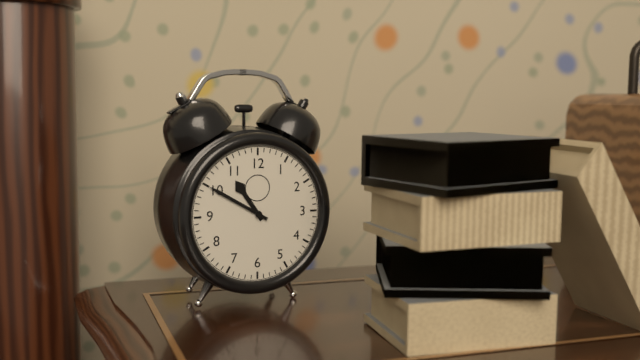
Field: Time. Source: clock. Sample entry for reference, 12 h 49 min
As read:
10 h 50 min
